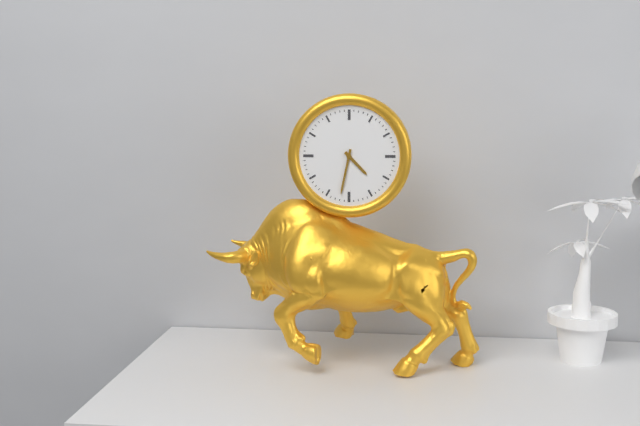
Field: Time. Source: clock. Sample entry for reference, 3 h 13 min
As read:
4 h 32 min
